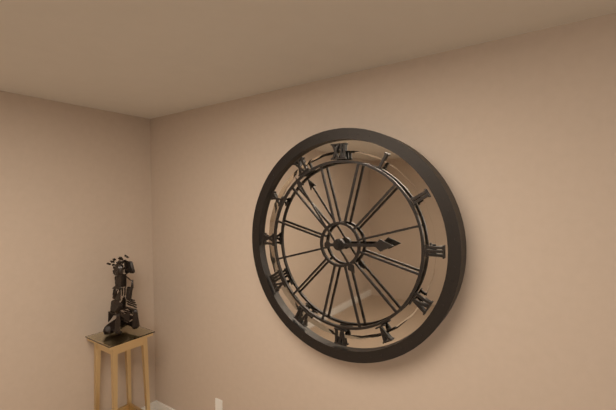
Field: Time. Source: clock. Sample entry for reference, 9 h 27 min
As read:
2 h 54 min
